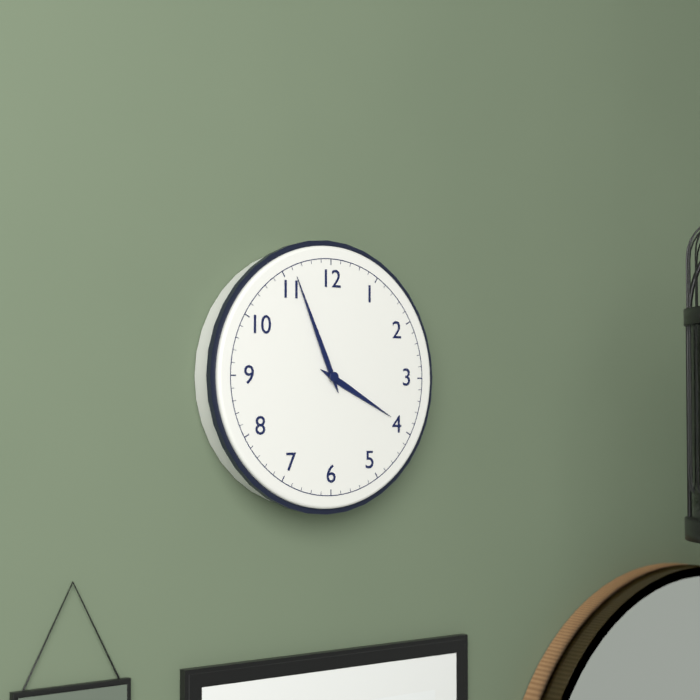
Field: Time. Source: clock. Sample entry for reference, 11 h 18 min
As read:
3 h 56 min
